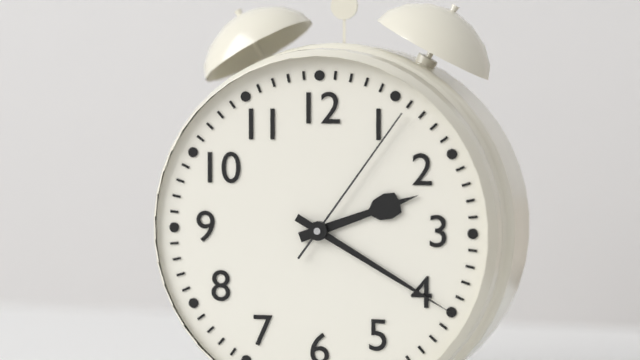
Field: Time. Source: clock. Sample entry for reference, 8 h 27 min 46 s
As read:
2 h 20 min 06 s
